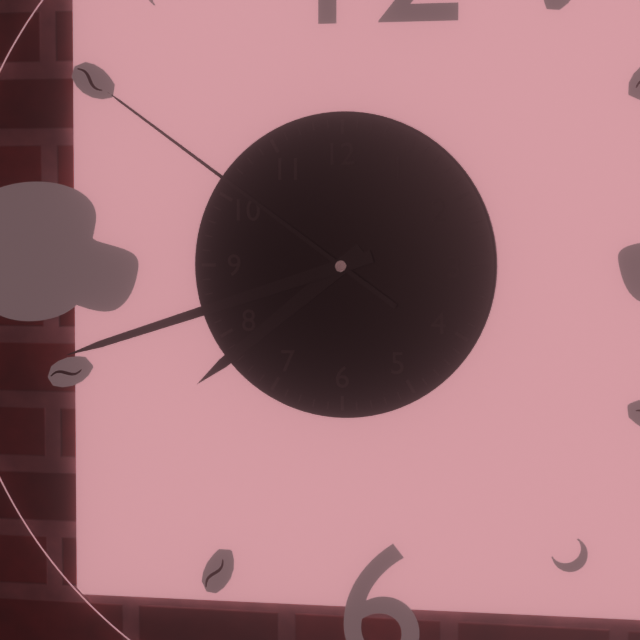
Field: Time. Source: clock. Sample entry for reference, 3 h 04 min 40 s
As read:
7 h 42 min 51 s
